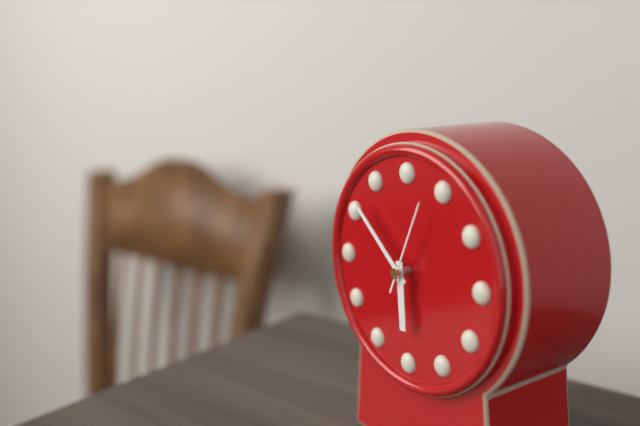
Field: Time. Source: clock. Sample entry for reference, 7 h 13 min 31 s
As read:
5 h 52 min 04 s
